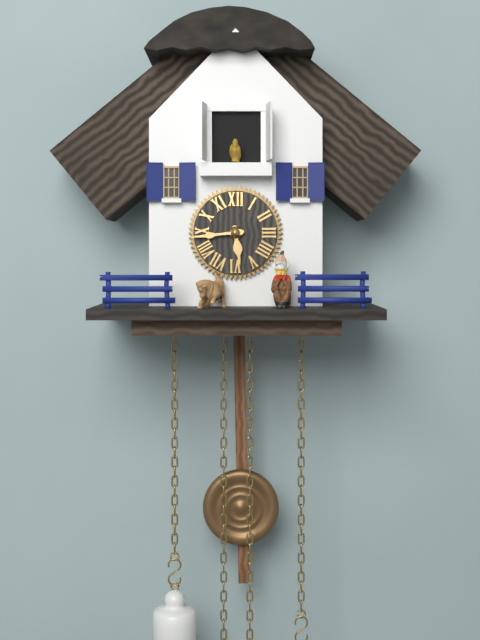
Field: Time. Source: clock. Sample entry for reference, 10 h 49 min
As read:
5 h 44 min
